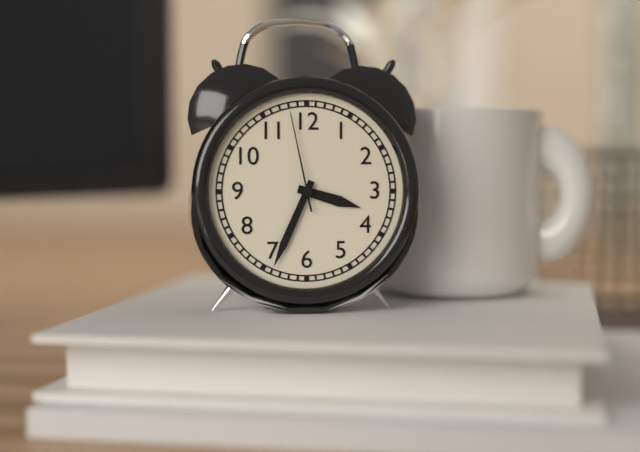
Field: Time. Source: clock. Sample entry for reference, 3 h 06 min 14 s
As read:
3 h 34 min 58 s
